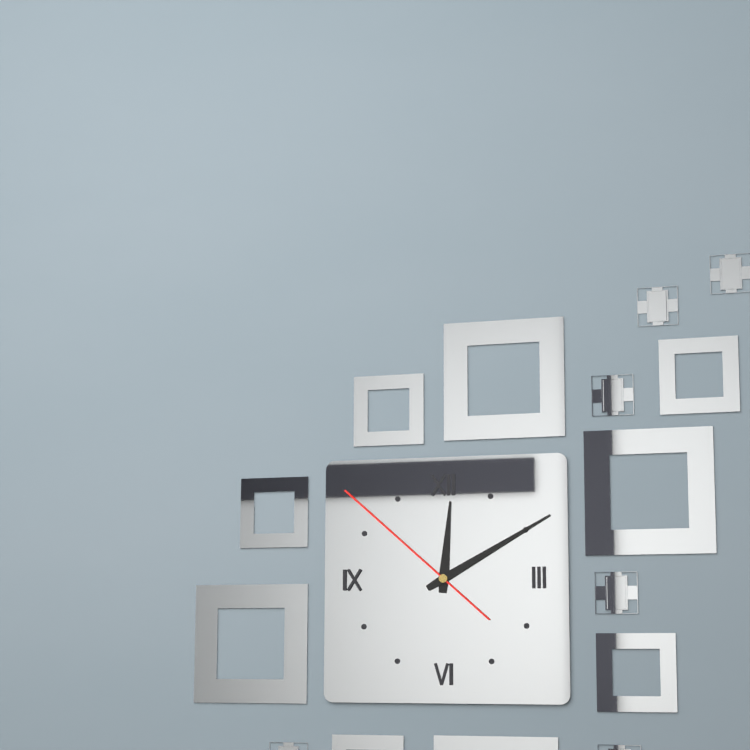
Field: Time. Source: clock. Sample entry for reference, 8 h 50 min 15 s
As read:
12 h 10 min 52 s
